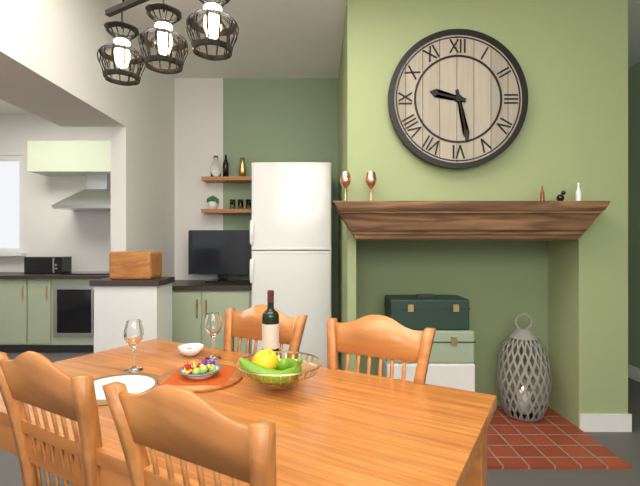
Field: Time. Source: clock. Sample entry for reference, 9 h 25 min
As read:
9 h 28 min
